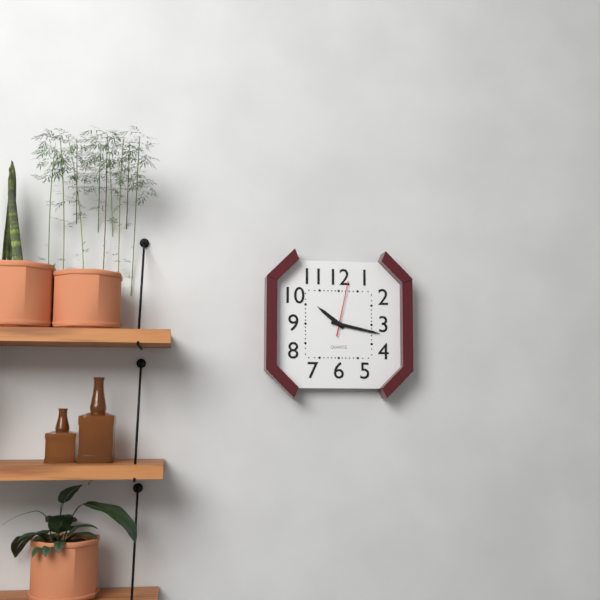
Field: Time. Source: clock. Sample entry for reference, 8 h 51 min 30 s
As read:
10 h 17 min 02 s
